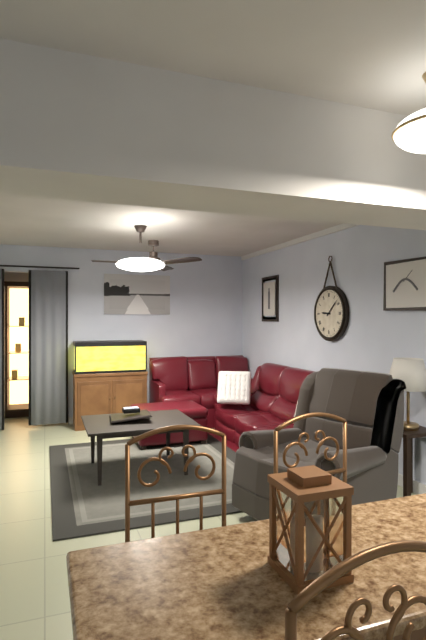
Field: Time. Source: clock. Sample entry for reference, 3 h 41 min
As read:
9 h 08 min
